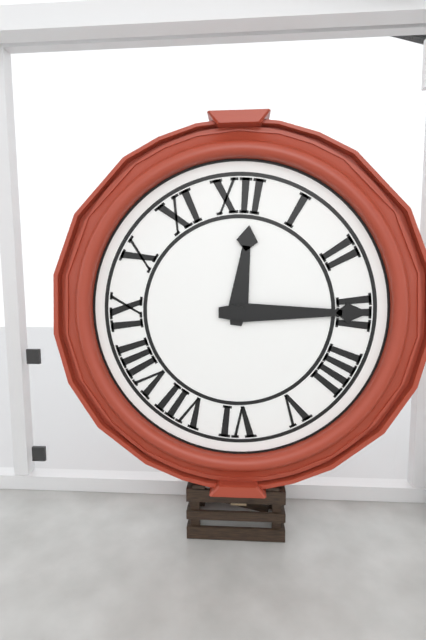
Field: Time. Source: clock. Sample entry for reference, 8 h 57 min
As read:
12 h 15 min
